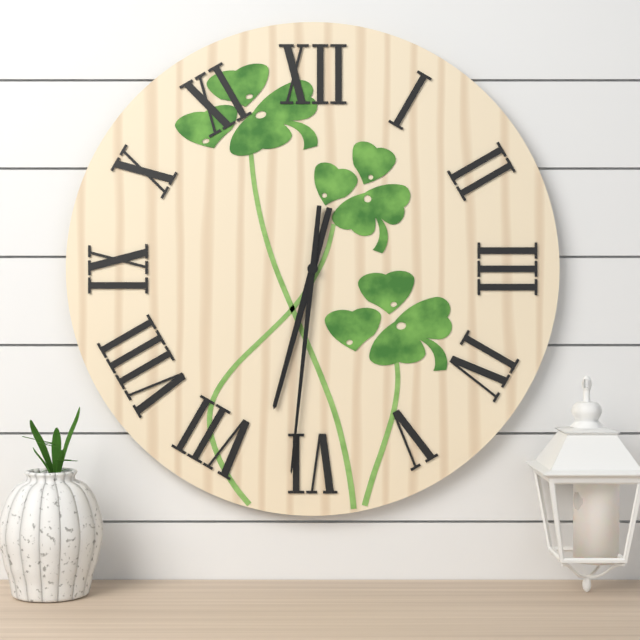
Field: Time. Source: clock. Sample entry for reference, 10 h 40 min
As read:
6 h 31 min
